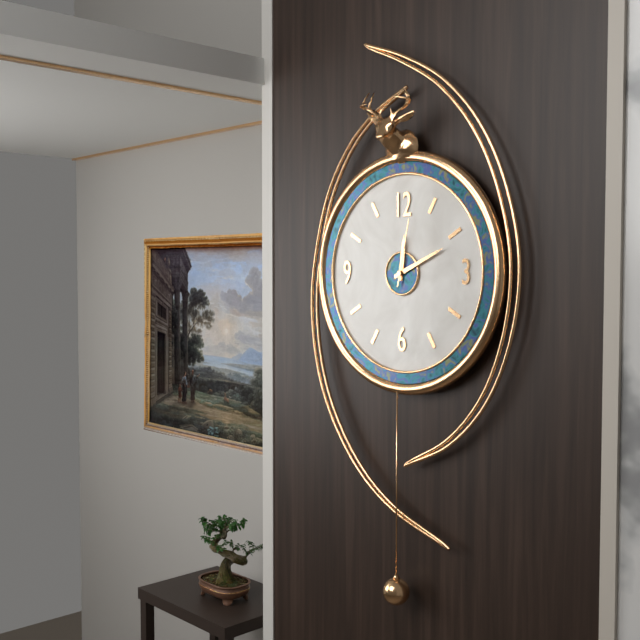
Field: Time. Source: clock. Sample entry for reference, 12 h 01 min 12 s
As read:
12 h 11 min 02 s
